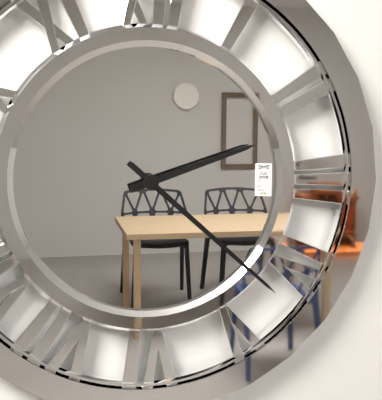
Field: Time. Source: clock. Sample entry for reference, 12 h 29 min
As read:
2 h 22 min
